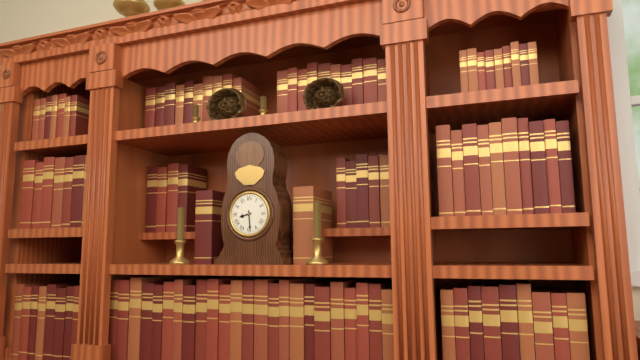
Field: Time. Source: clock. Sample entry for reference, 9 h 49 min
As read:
8 h 29 min
